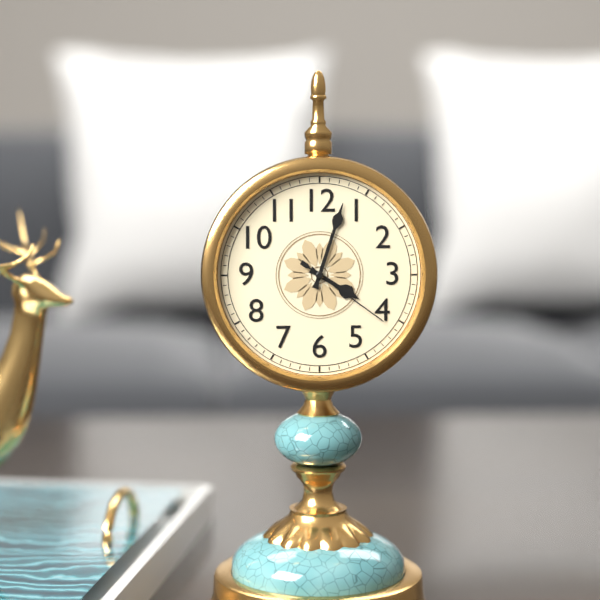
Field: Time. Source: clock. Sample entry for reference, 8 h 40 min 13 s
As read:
4 h 03 min 21 s
